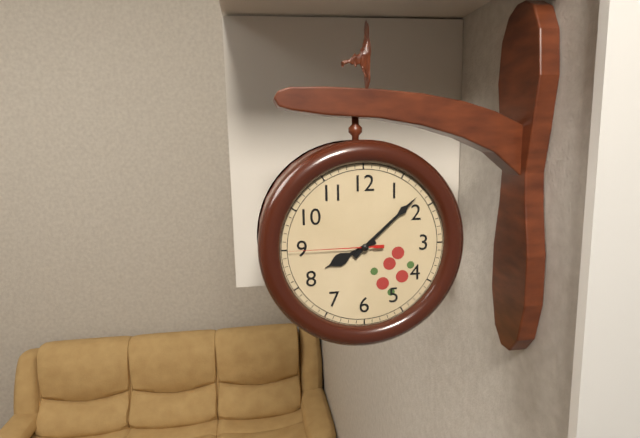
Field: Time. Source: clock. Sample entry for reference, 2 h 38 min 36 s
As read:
8 h 08 min 45 s
